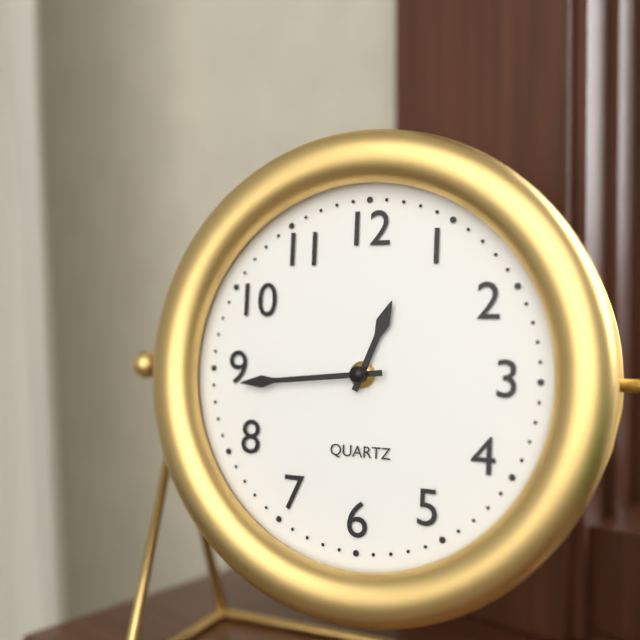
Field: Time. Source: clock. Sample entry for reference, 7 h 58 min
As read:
12 h 44 min
